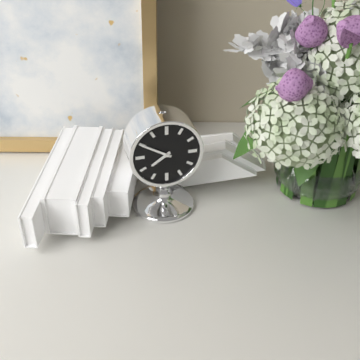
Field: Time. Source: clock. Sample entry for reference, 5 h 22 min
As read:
7 h 50 min
